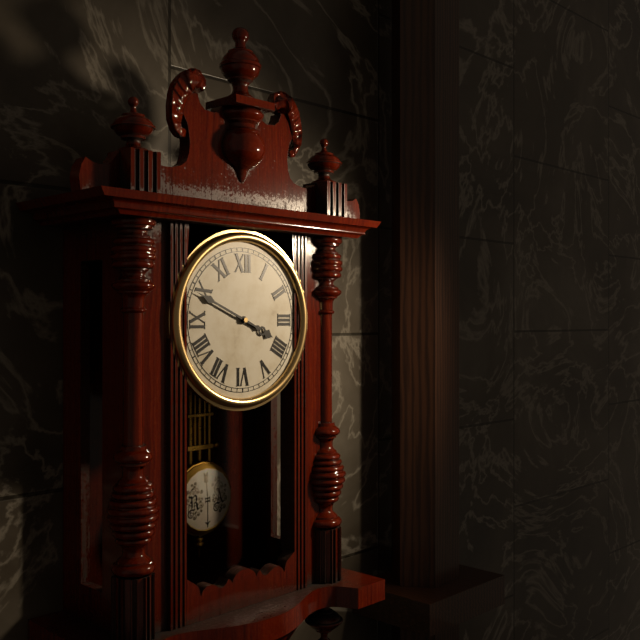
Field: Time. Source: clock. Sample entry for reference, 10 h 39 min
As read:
3 h 49 min
